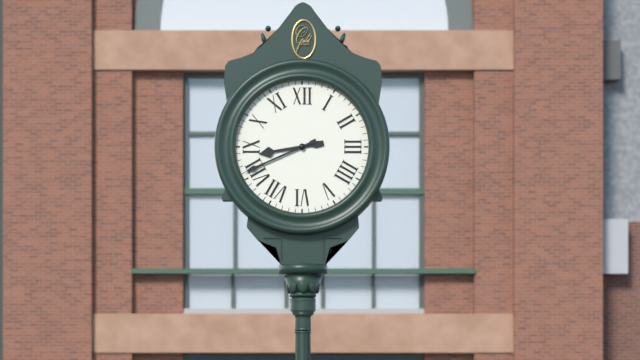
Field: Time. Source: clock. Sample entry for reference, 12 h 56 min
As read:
8 h 41 min
